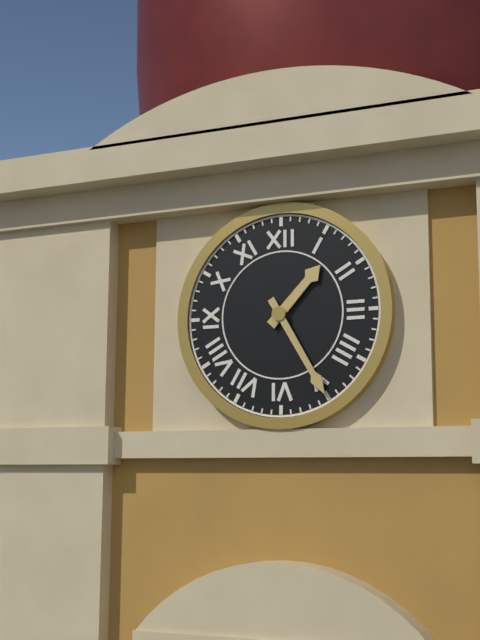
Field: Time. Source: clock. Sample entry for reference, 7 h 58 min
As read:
1 h 25 min
